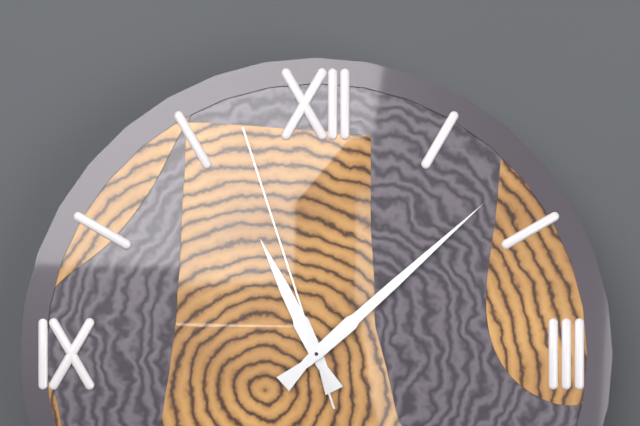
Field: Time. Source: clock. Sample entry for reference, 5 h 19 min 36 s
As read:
11 h 08 min 57 s
